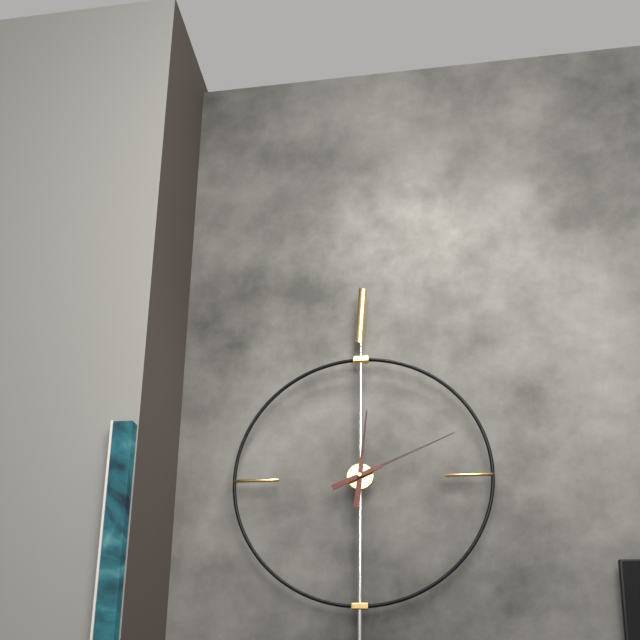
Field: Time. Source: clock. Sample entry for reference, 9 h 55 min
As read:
12 h 11 min
